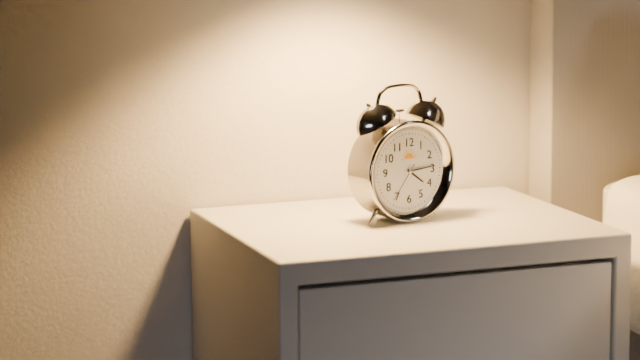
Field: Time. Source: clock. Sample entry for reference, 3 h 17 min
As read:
4 h 14 min
